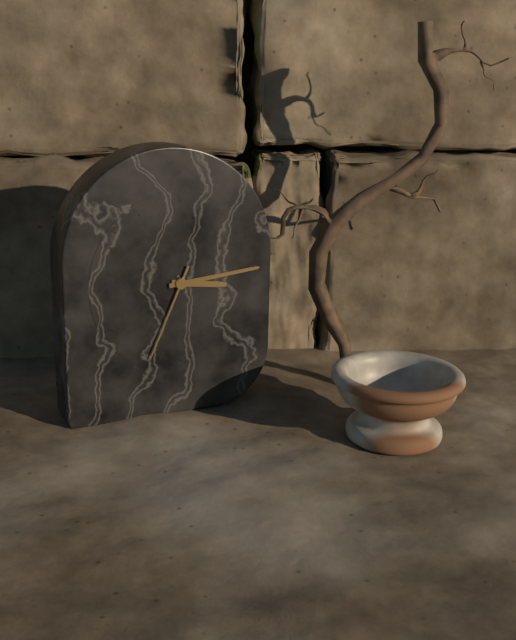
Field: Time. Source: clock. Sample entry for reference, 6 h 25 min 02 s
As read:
3 h 14 min 34 s
